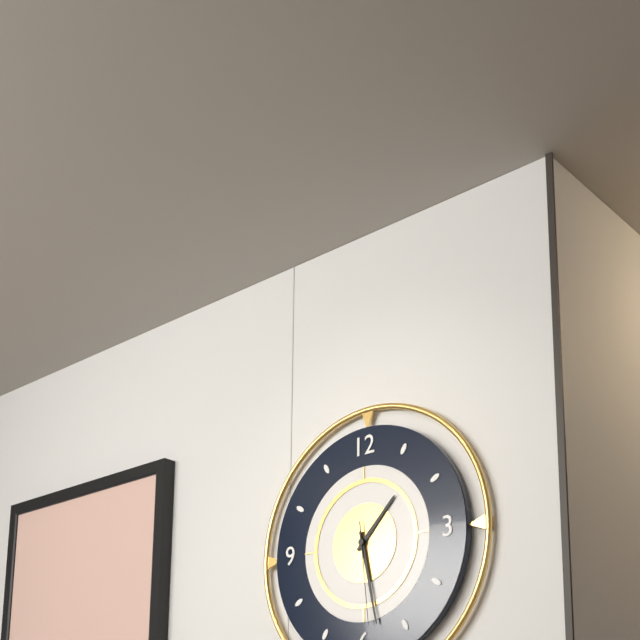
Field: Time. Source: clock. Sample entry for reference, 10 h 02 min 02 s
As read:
1 h 28 min 29 s
